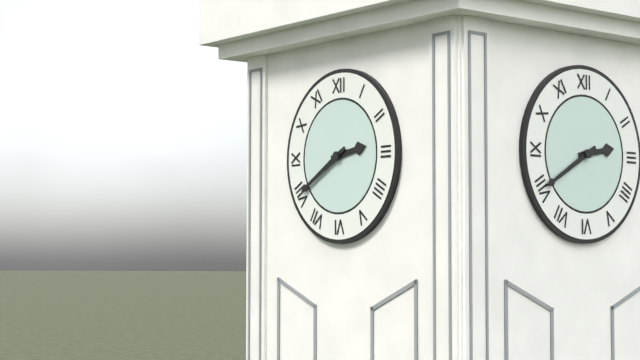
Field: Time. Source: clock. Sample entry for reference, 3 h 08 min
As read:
2 h 40 min
